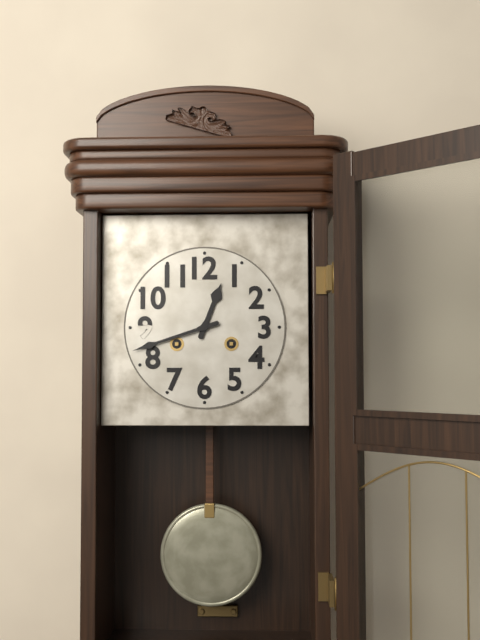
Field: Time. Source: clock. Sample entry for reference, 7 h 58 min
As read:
12 h 42 min
